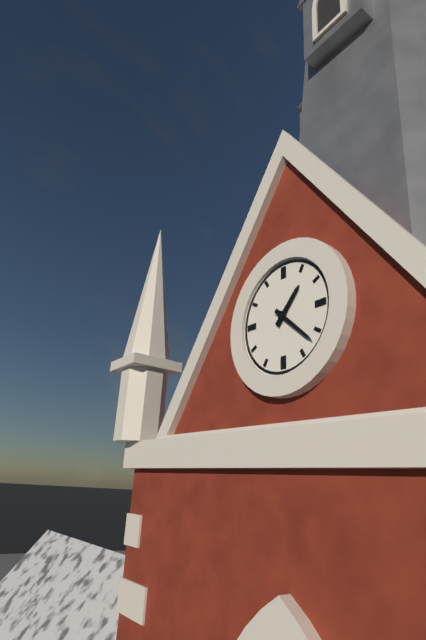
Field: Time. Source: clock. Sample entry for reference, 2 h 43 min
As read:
1 h 22 min
